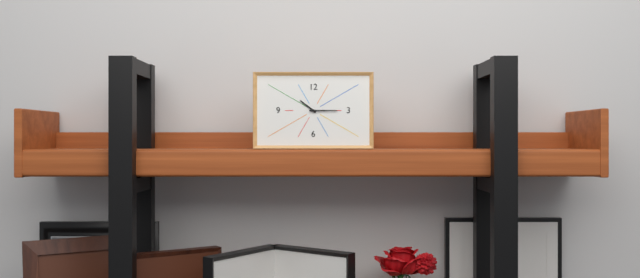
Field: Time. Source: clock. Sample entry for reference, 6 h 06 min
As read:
10 h 15 min
